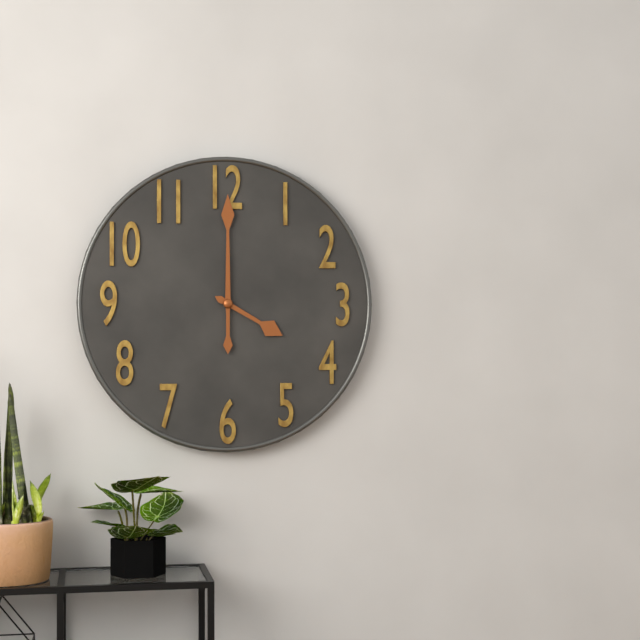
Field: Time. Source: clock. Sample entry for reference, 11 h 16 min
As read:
4 h 00 min
